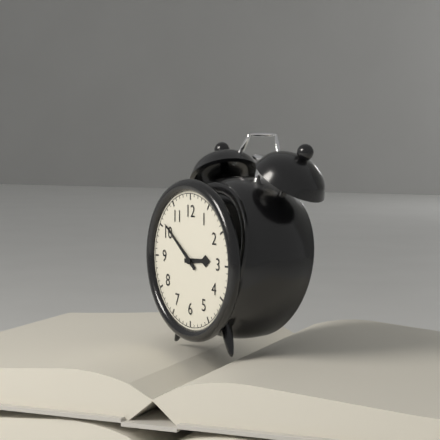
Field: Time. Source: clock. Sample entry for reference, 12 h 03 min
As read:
2 h 51 min
